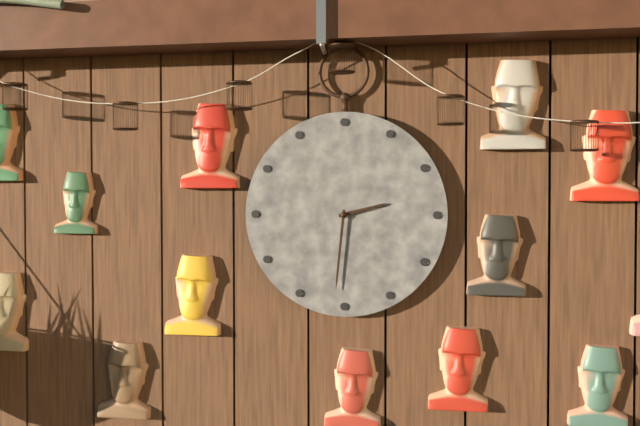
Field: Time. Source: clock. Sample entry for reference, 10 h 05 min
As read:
2 h 31 min
